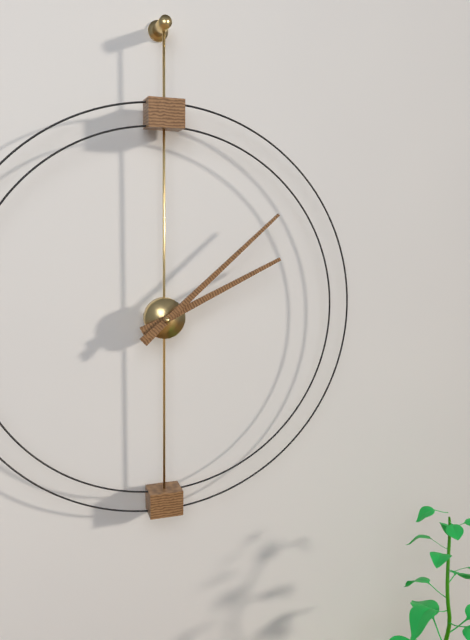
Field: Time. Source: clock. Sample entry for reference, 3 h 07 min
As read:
2 h 08 min
